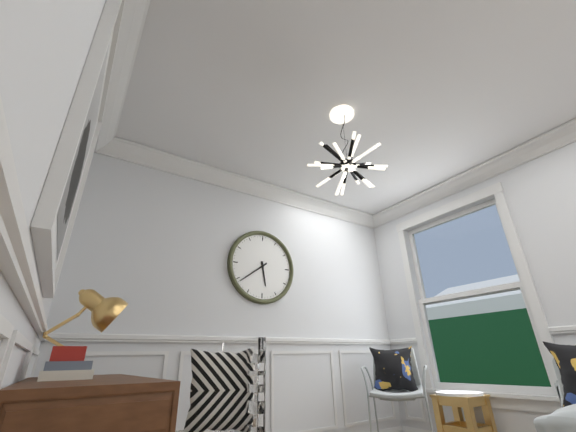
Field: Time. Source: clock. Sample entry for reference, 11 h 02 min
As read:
5 h 39 min
